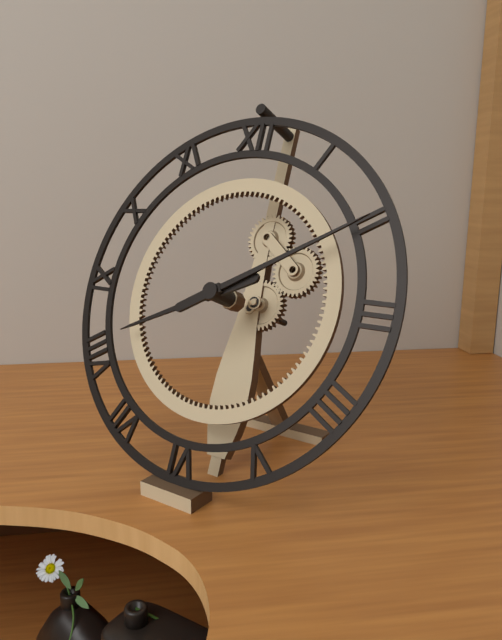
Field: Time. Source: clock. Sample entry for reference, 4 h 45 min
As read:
8 h 10 min
